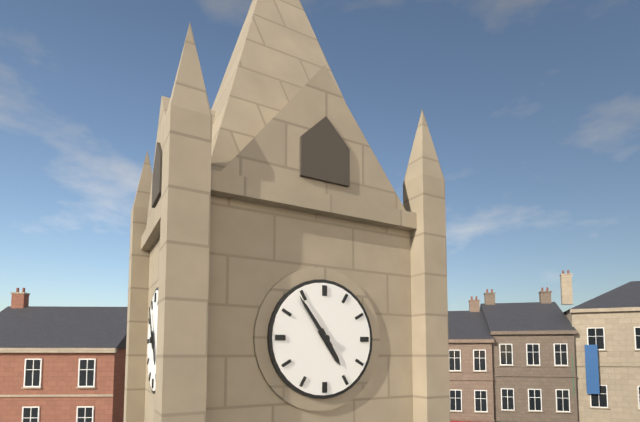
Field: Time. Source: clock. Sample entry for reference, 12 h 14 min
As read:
4 h 54 min
